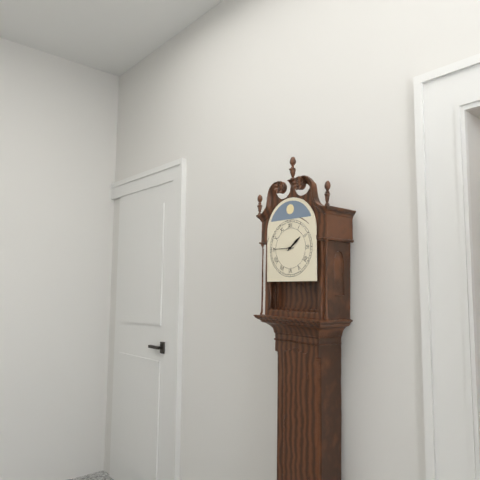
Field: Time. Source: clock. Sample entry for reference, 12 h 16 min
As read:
1 h 45 min
